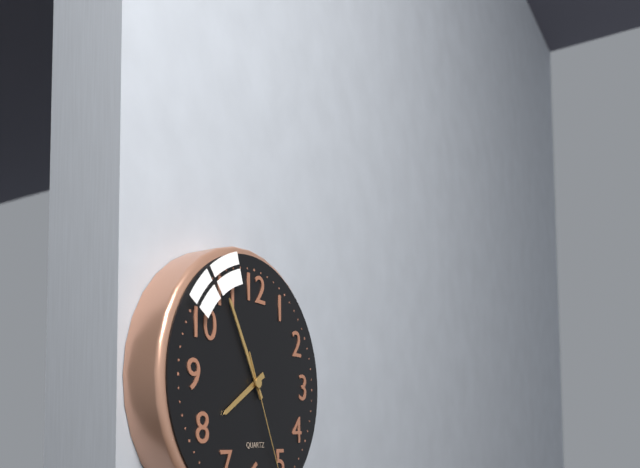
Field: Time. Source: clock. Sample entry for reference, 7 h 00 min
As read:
7 h 55 min
